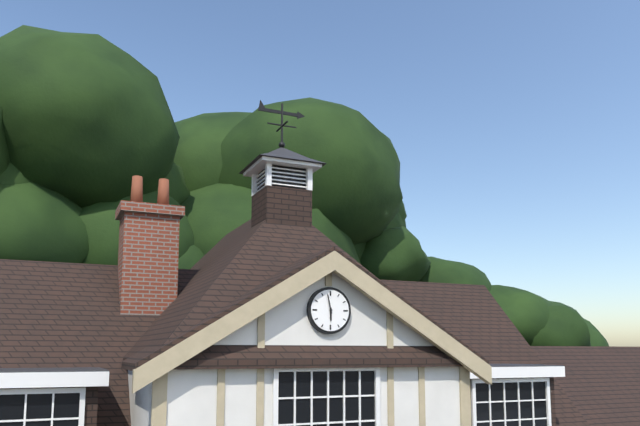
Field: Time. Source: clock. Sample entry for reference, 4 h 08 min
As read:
5 h 58 min
